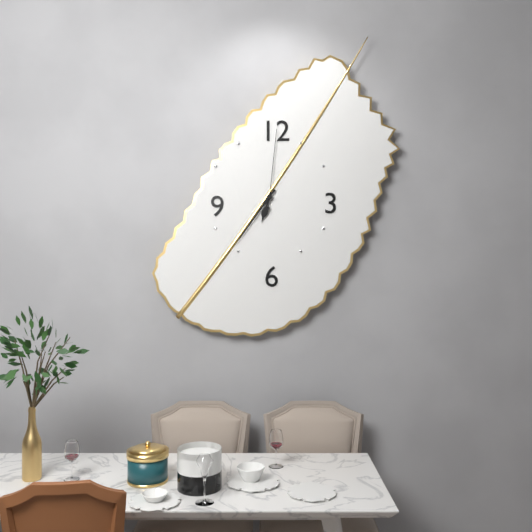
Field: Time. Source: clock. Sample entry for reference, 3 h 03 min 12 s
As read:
6 h 36 min 01 s
